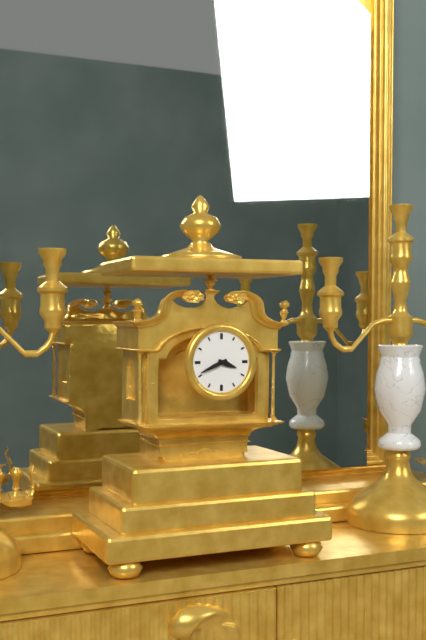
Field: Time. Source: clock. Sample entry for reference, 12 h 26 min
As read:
3 h 41 min
